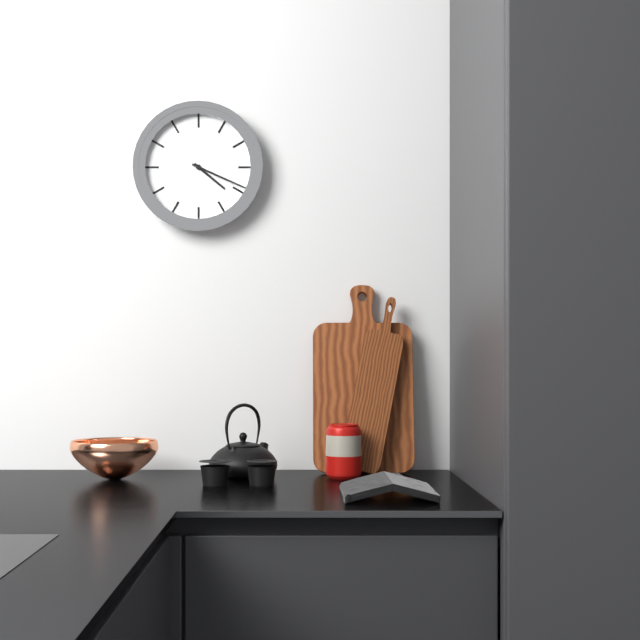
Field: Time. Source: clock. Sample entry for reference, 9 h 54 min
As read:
4 h 19 min
